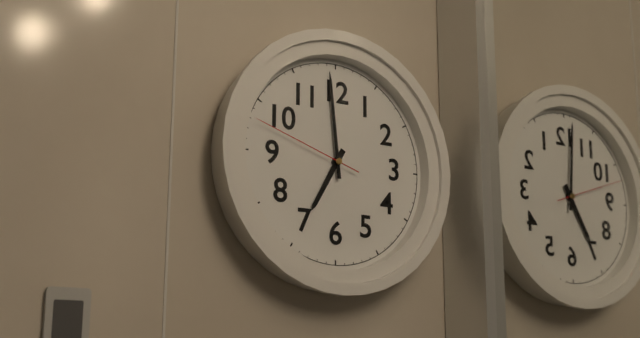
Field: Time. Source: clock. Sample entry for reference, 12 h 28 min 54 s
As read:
6 h 59 min 48 s
